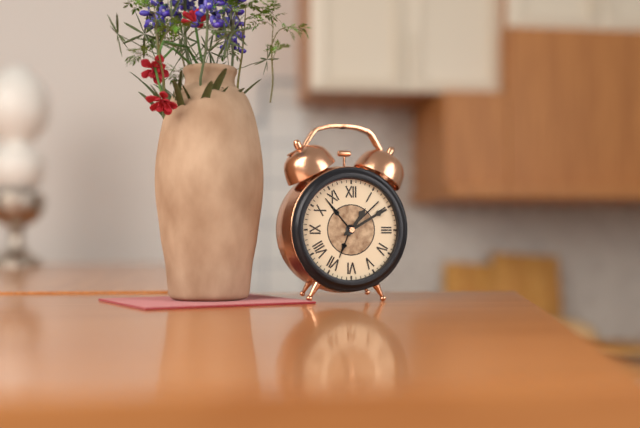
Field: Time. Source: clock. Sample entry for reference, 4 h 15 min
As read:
1 h 10 min
